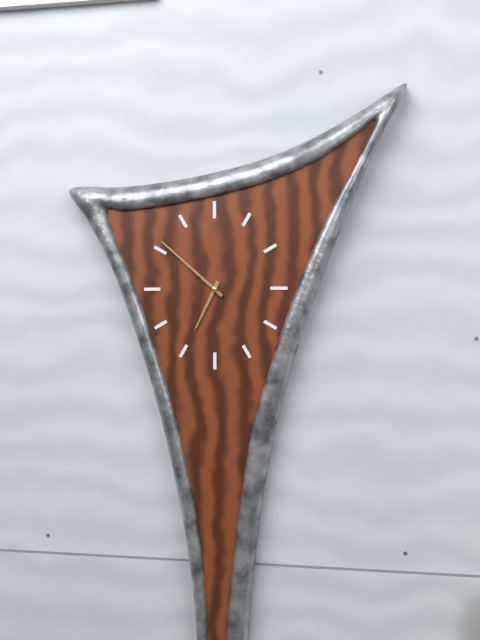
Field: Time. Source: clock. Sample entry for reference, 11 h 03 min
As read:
6 h 52 min
